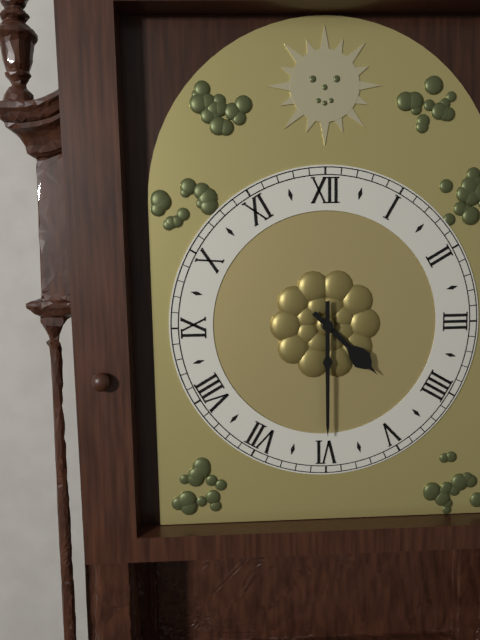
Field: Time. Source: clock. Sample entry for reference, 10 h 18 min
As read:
4 h 30 min
